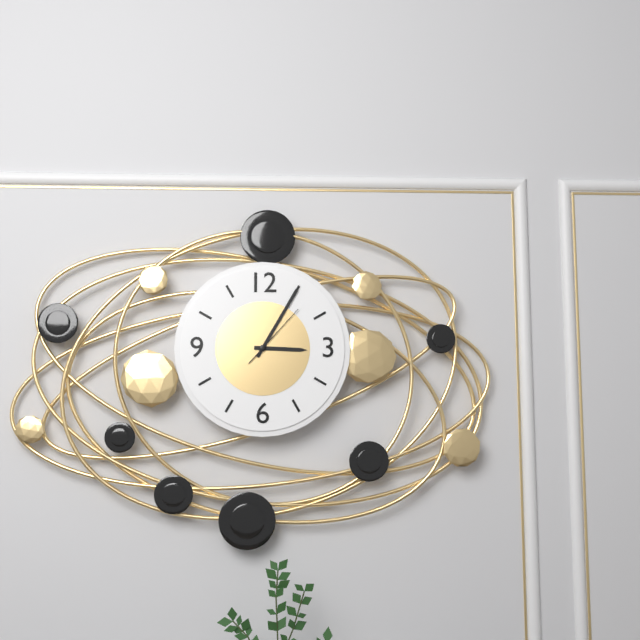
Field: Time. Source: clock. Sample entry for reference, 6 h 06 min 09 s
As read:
3 h 05 min 07 s
